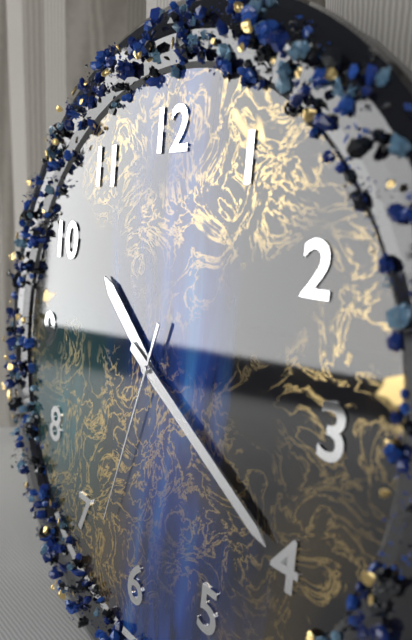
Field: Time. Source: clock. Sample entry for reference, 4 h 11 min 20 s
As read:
10 h 20 min 33 s
